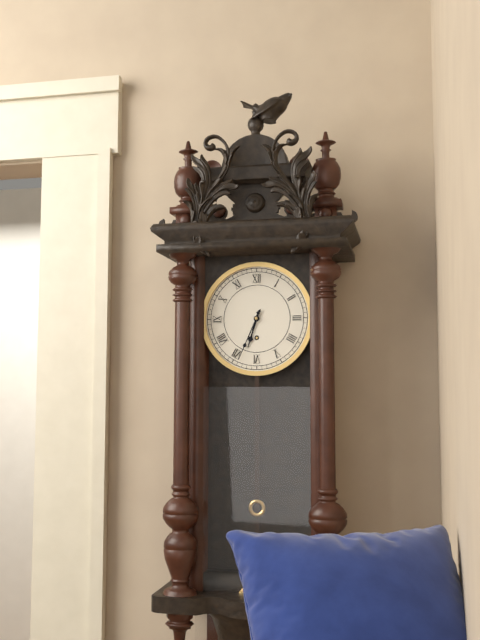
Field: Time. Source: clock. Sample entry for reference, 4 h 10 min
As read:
6 h 34 min
